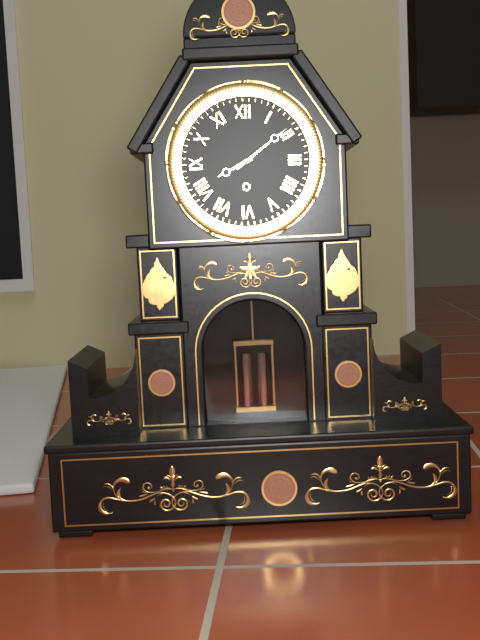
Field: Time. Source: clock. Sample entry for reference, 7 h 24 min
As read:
8 h 09 min
